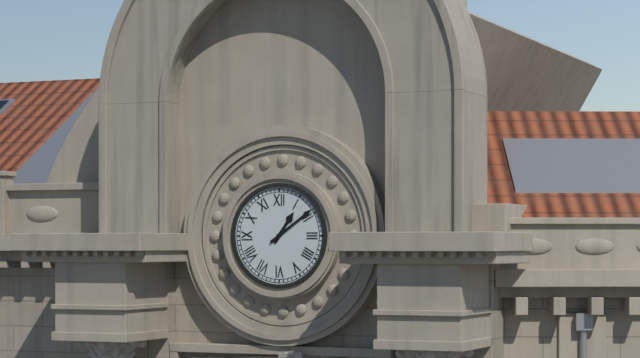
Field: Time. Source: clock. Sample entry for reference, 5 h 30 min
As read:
1 h 09 min
